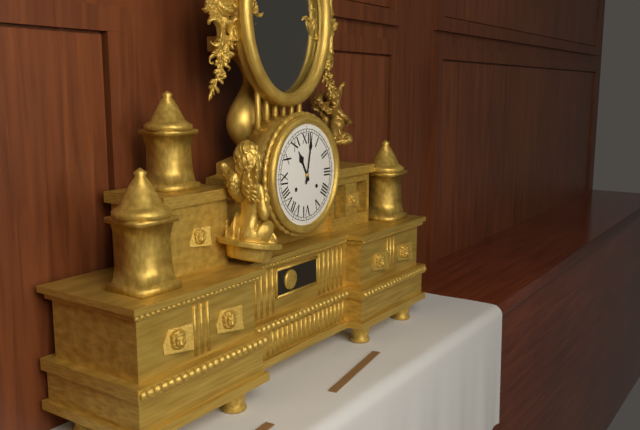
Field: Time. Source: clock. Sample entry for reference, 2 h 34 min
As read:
11 h 02 min
